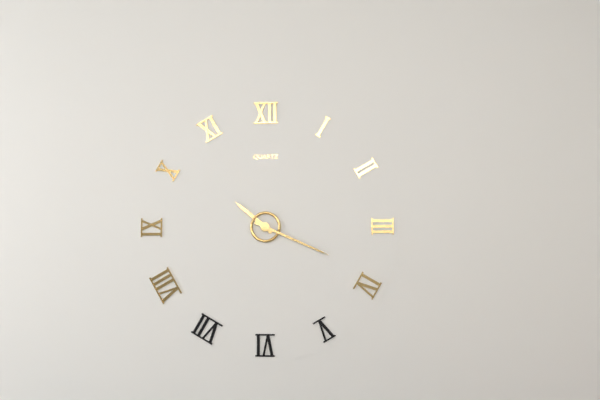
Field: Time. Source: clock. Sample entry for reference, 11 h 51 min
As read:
10 h 19 min
